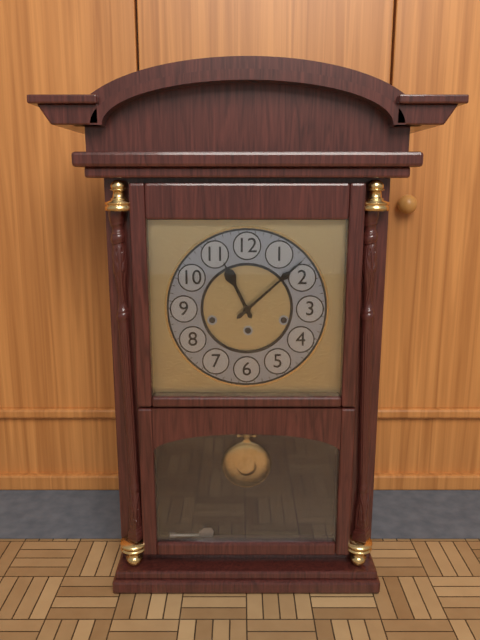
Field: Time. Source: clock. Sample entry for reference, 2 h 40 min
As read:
11 h 08 min
